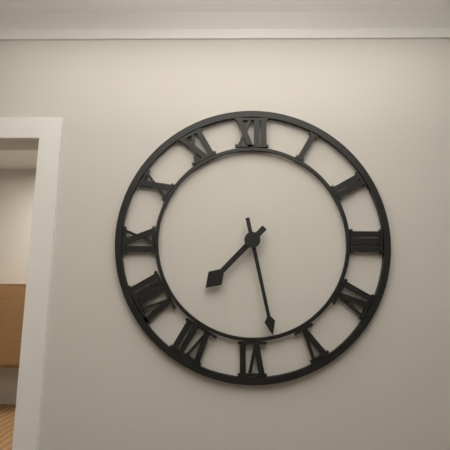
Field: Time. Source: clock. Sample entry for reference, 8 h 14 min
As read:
7 h 28 min
